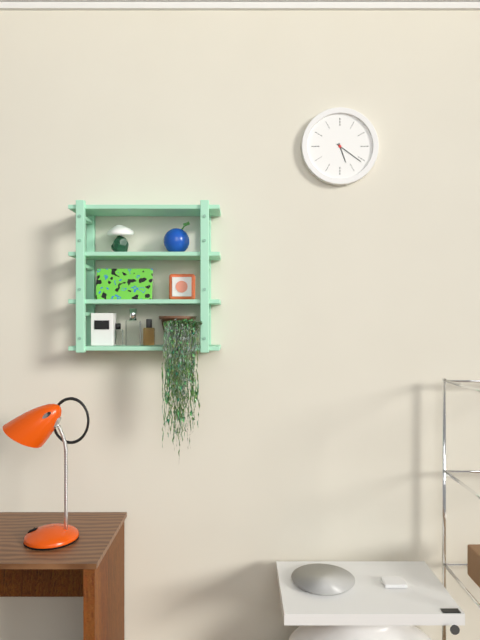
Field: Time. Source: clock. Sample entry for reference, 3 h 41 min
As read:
5 h 21 min
